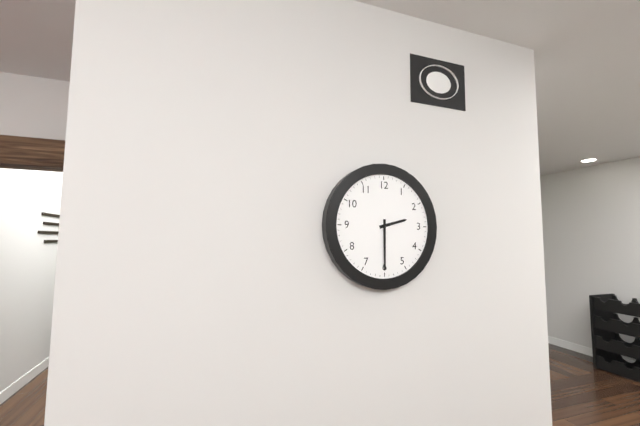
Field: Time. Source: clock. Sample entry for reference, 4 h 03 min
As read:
2 h 30 min
